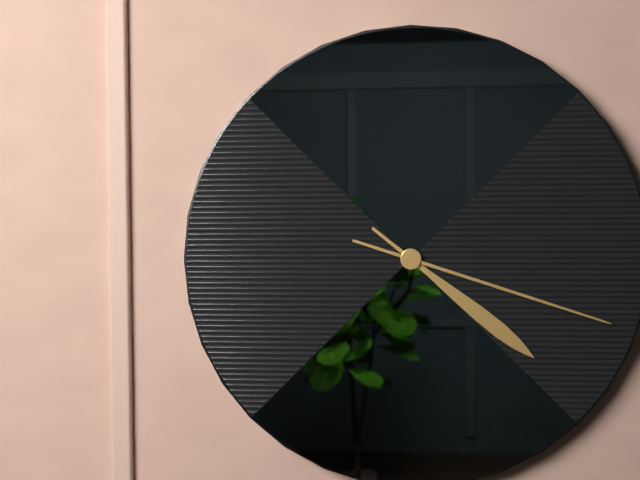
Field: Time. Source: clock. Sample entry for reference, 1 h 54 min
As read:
4 h 18 min
